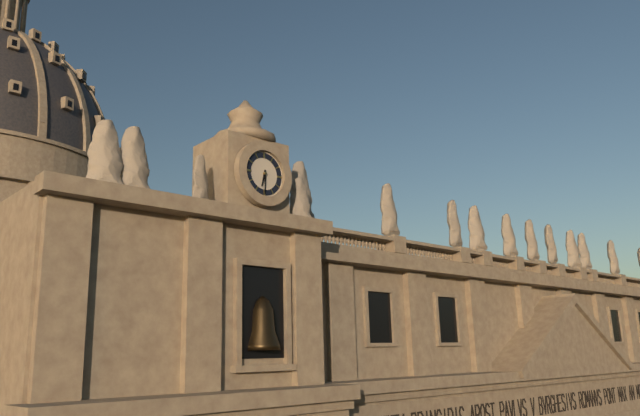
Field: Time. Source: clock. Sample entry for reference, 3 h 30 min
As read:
6 h 30 min
